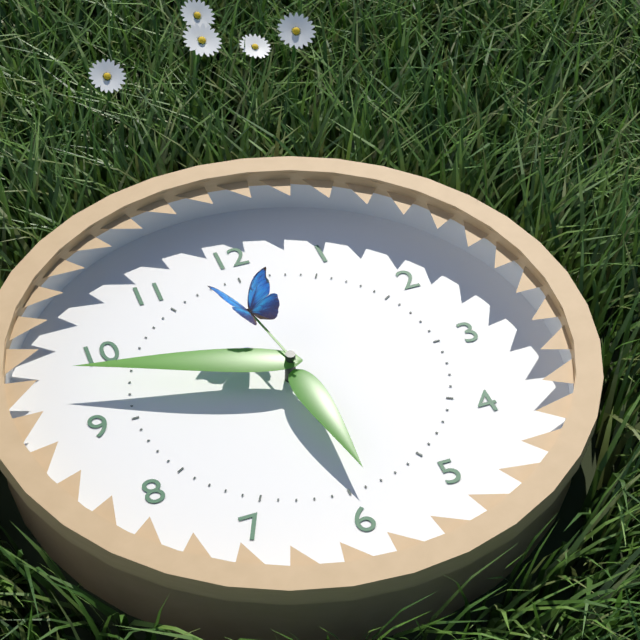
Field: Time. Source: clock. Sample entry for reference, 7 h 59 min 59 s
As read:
5 h 48 min 58 s
